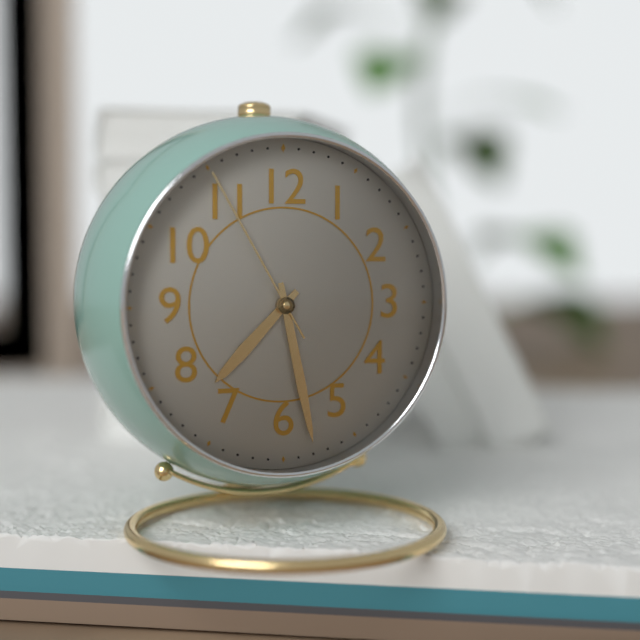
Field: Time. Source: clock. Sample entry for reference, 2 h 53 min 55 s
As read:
7 h 28 min 55 s
